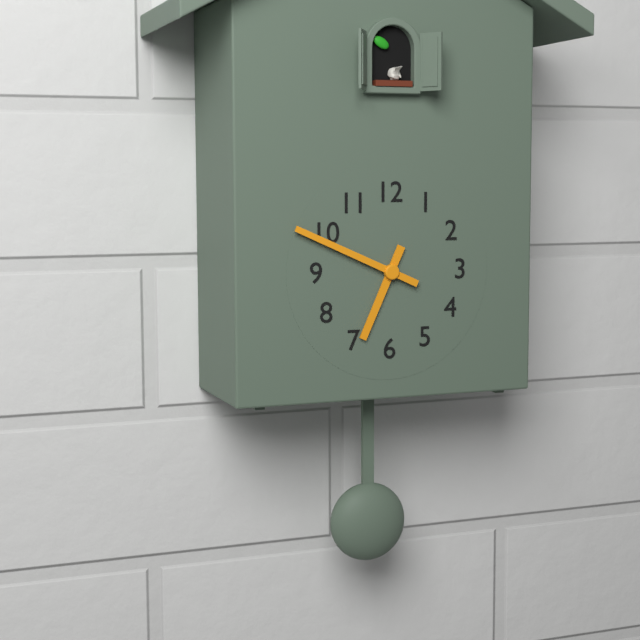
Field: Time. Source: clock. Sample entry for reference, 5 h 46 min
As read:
6 h 49 min
